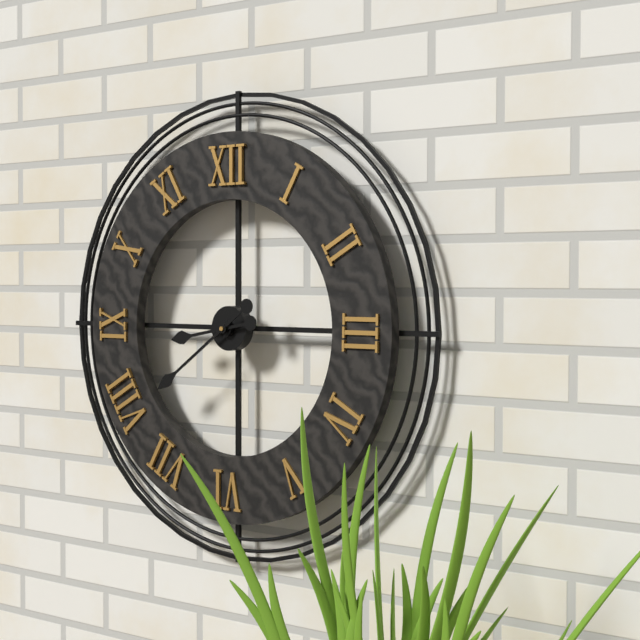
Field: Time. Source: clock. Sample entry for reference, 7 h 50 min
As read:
8 h 39 min
